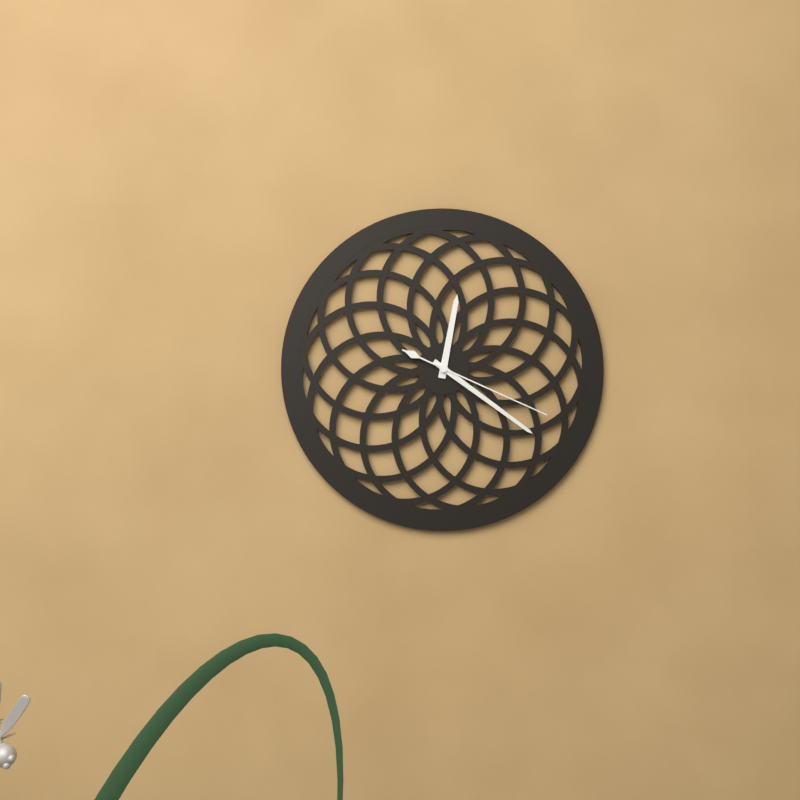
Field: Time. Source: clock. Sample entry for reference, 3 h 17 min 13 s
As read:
12 h 21 min 19 s
